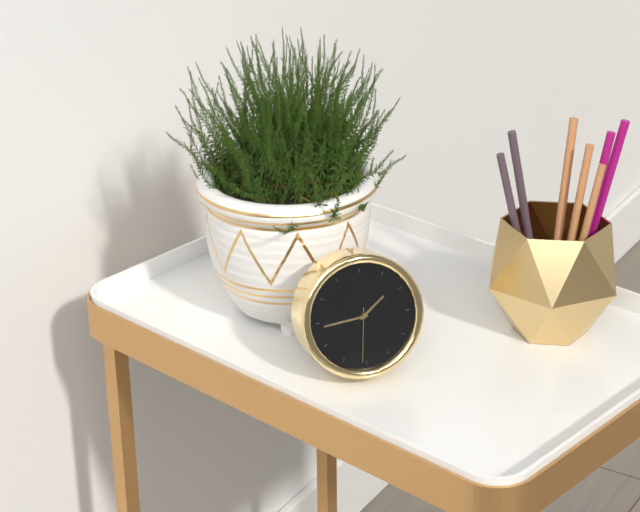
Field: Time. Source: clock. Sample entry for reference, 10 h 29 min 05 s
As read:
1 h 44 min 31 s
